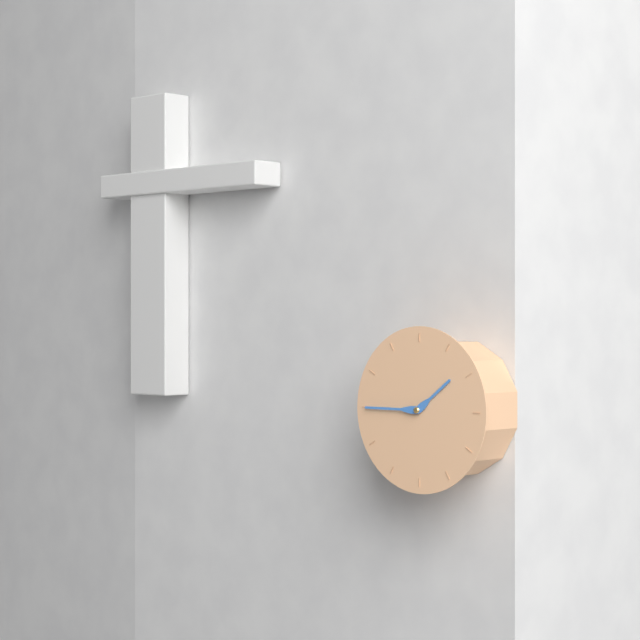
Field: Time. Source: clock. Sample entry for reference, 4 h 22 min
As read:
1 h 45 min
